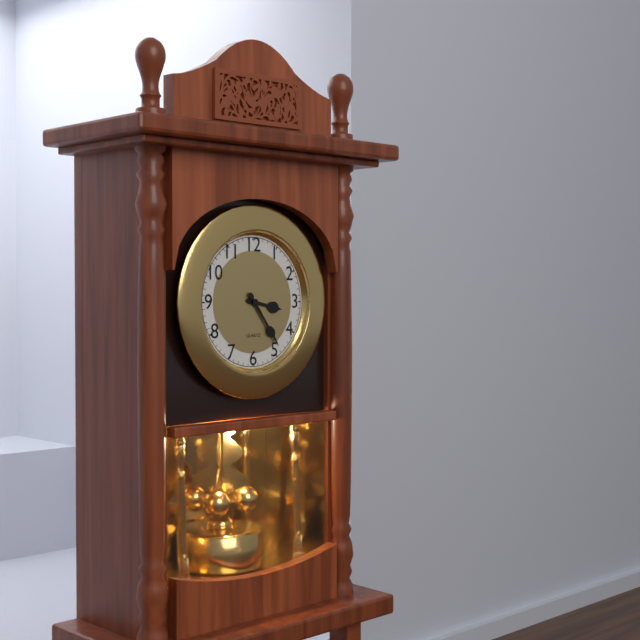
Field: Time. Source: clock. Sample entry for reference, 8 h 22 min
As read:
3 h 24 min
